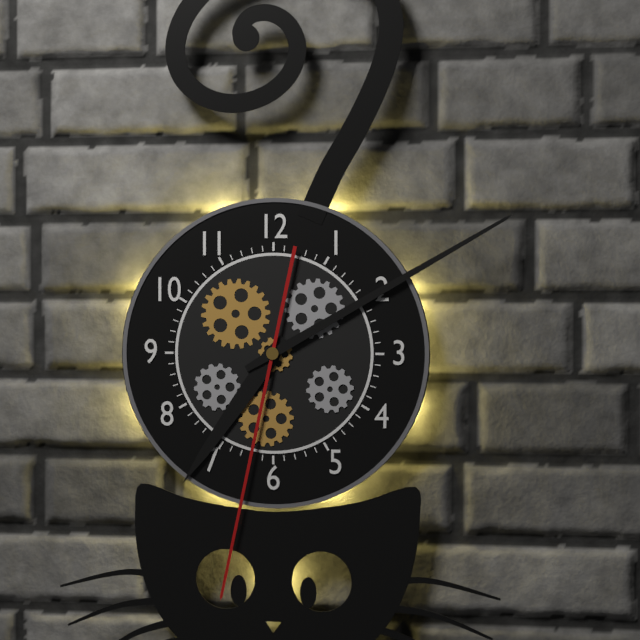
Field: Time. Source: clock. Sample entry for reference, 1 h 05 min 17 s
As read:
7 h 10 min 32 s
